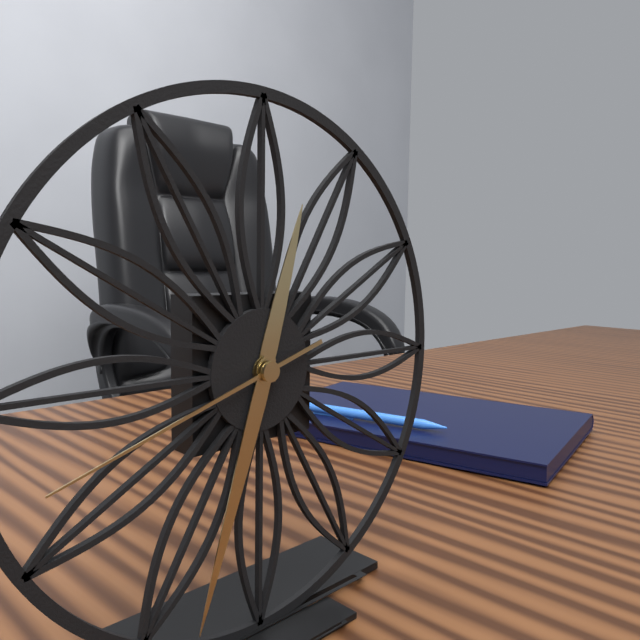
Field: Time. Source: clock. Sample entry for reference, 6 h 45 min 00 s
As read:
12 h 33 min 42 s
